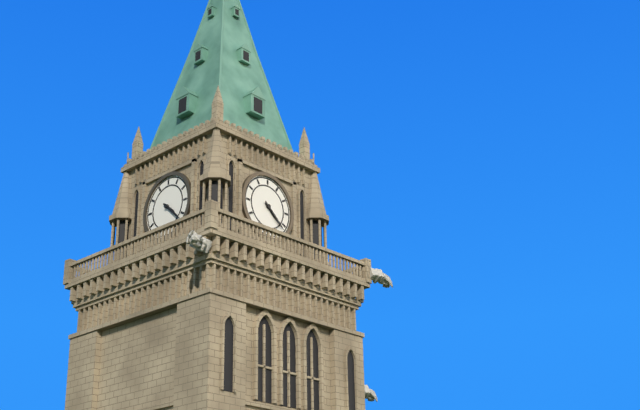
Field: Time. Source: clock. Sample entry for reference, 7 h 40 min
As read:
4 h 22 min
